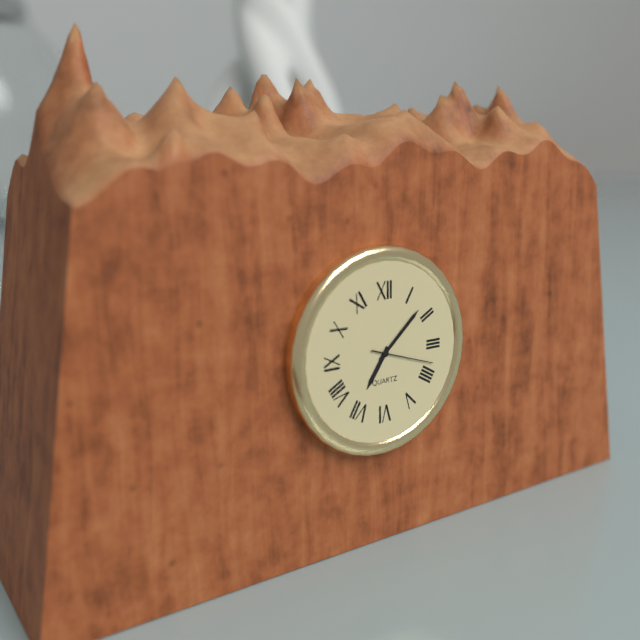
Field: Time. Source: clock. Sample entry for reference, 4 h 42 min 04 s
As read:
7 h 08 min 18 s
